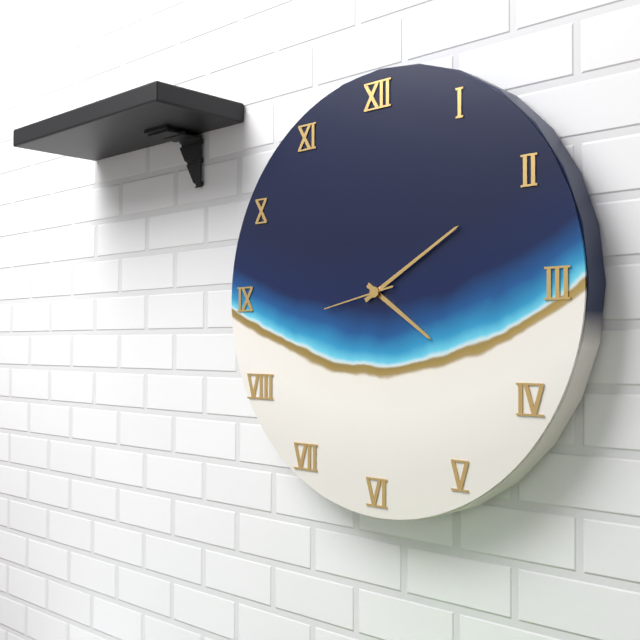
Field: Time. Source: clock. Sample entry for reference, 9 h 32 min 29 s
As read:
4 h 10 min 43 s
